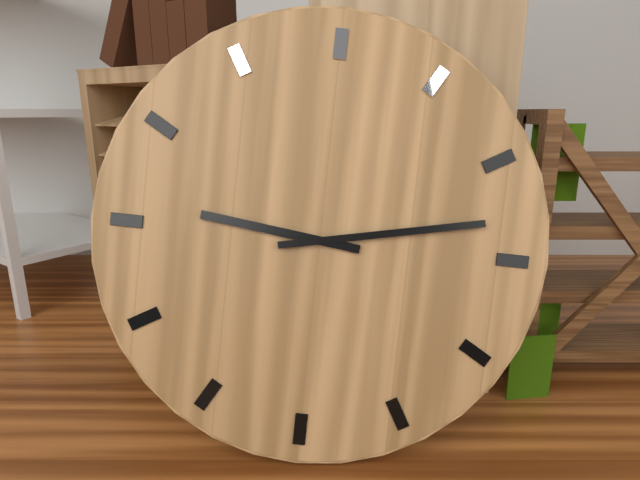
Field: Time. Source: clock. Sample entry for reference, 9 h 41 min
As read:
9 h 13 min
